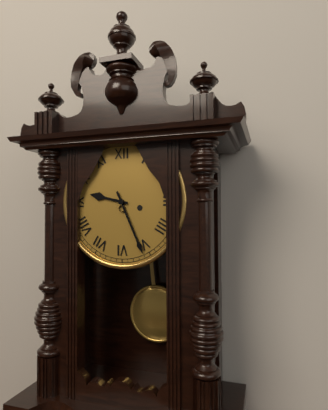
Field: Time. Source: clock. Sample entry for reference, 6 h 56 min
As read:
9 h 26 min
